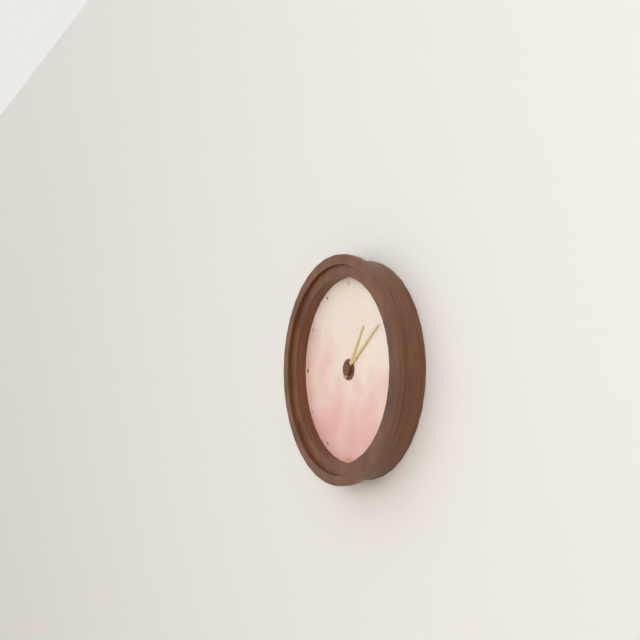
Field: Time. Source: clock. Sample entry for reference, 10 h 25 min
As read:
1 h 09 min
